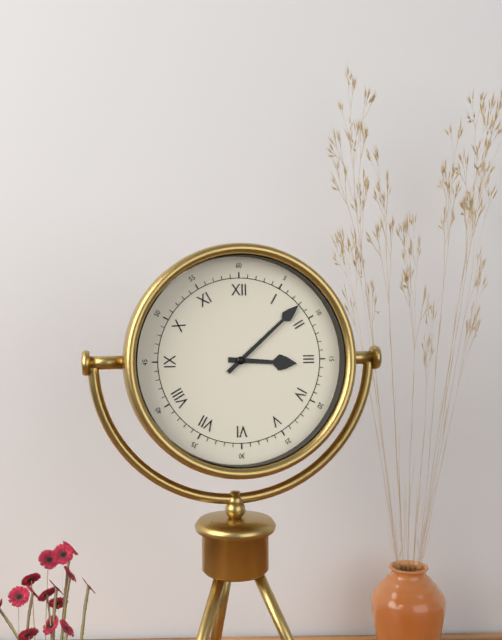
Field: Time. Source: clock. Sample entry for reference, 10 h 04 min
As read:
3 h 08 min
